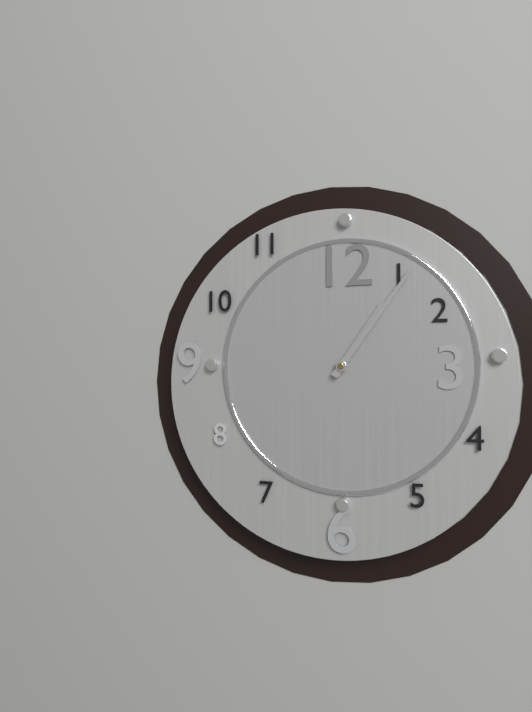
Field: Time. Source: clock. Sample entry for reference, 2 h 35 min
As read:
1 h 06 min
